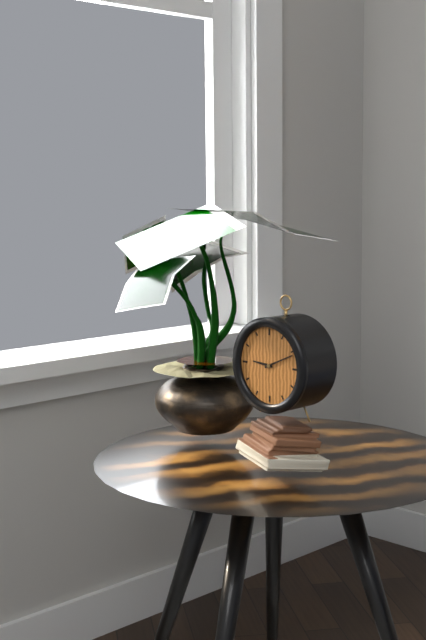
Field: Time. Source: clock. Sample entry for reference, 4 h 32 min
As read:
9 h 11 min
